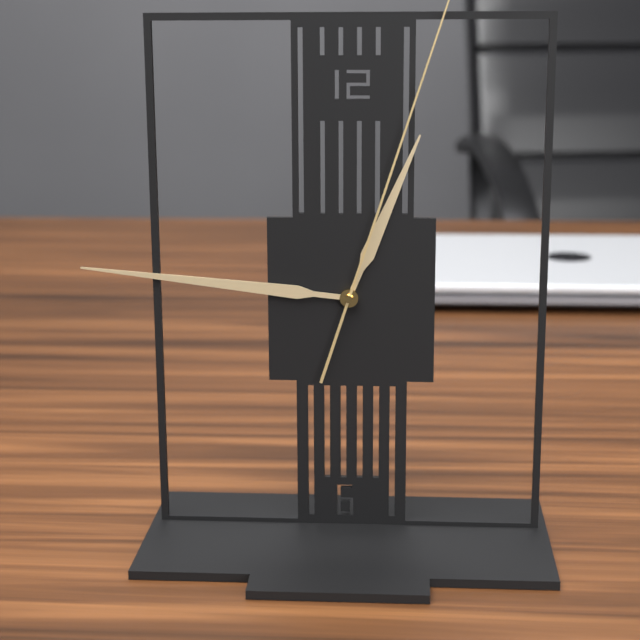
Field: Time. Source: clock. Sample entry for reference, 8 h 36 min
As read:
12 h 46 min
